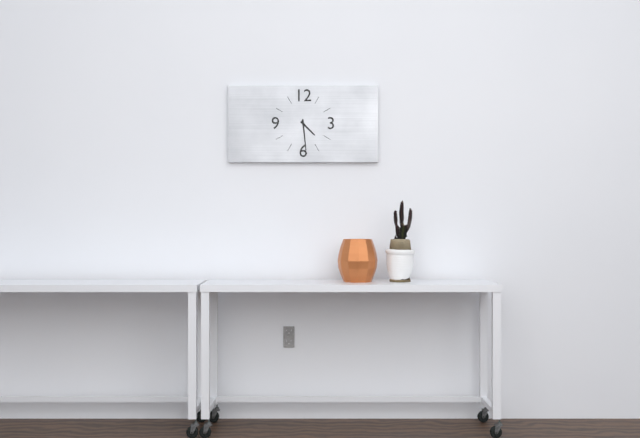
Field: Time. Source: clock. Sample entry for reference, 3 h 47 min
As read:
4 h 29 min
